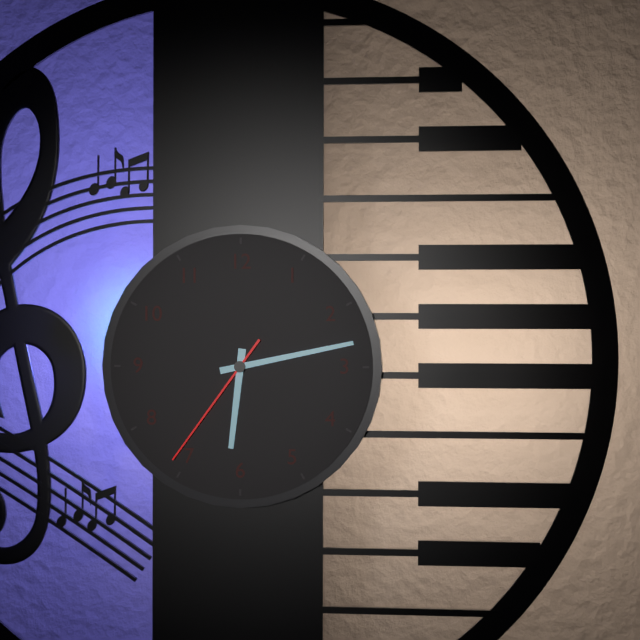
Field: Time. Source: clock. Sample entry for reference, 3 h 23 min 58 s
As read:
6 h 13 min 36 s
